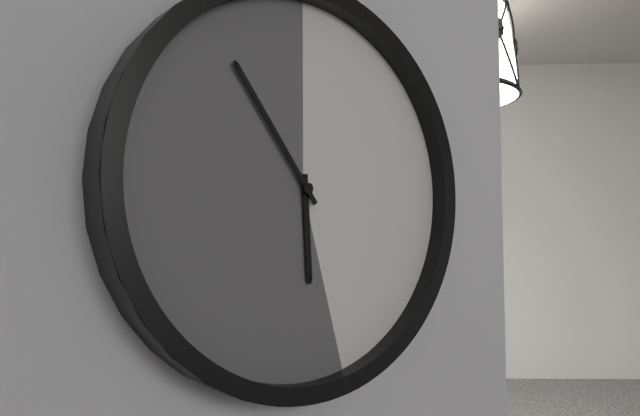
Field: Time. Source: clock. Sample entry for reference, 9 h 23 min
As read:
5 h 54 min
